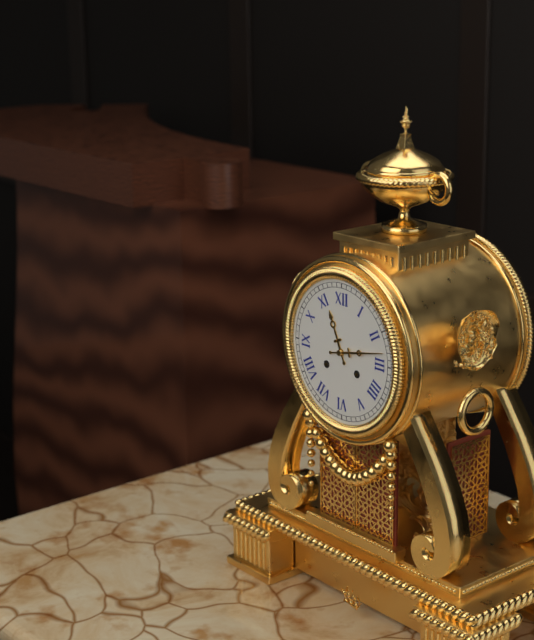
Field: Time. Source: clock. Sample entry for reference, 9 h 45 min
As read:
11 h 13 min
